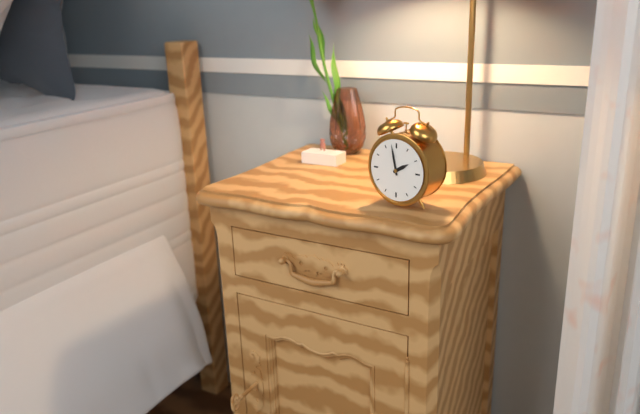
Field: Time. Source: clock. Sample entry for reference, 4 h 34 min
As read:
1 h 58 min
